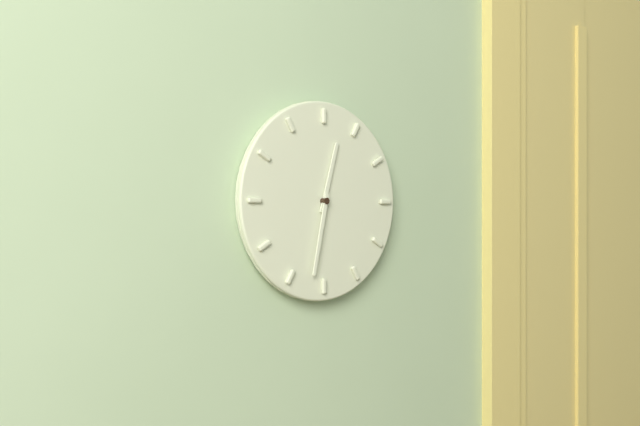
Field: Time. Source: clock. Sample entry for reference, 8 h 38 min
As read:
12 h 32 min
